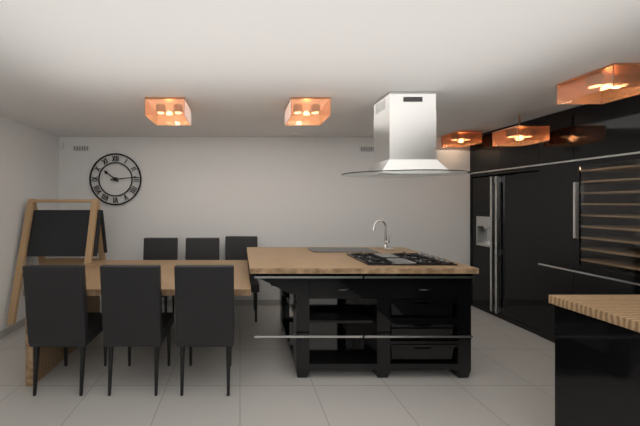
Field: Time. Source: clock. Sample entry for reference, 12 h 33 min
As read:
10 h 14 min
